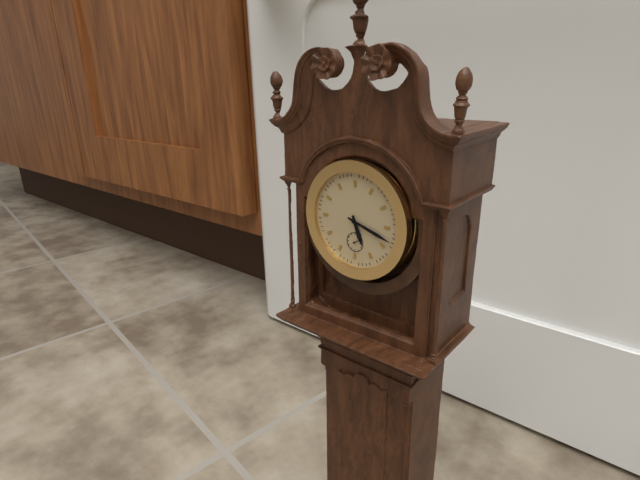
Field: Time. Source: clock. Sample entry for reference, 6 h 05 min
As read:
5 h 18 min
